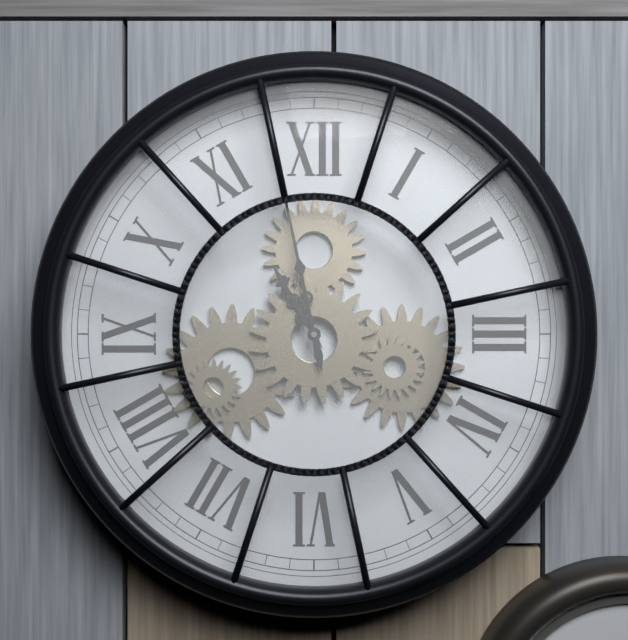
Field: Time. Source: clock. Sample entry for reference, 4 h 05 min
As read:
10 h 58 min
